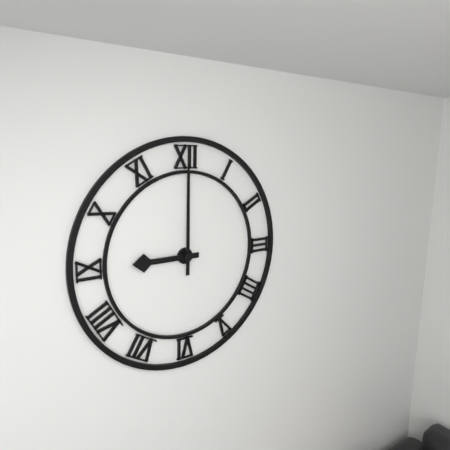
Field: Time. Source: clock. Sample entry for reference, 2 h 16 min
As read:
9 h 00 min
